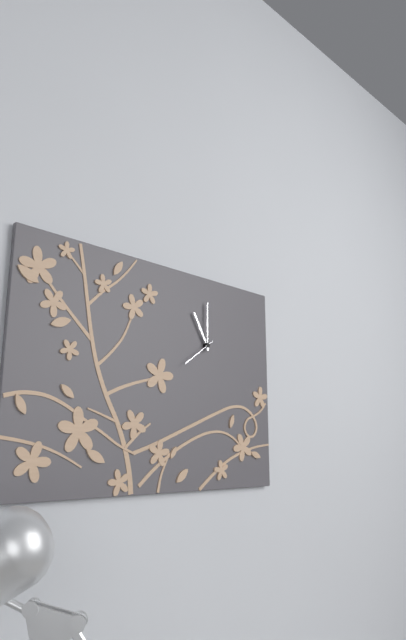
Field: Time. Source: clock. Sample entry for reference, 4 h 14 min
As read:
11 h 00 min
